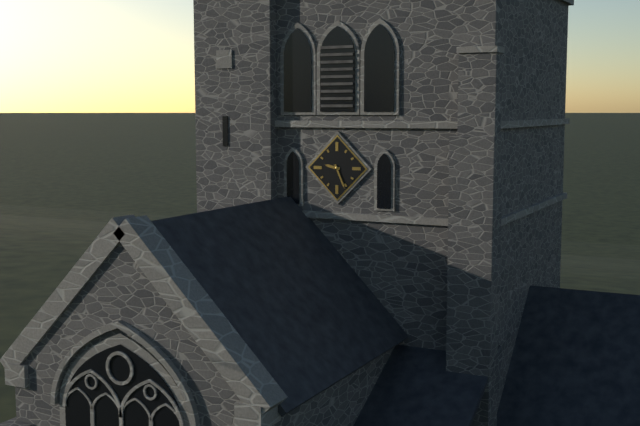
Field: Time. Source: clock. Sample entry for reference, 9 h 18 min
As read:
9 h 26 min
